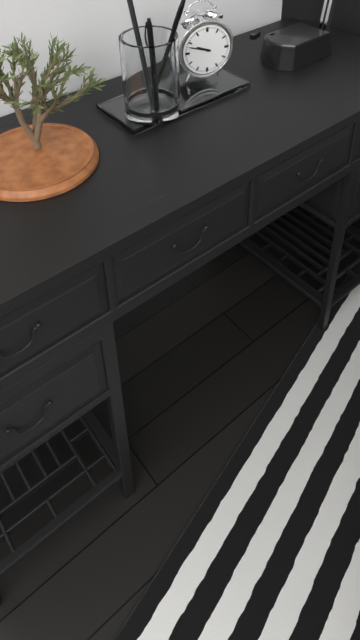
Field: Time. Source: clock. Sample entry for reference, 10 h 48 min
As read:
9 h 48 min
